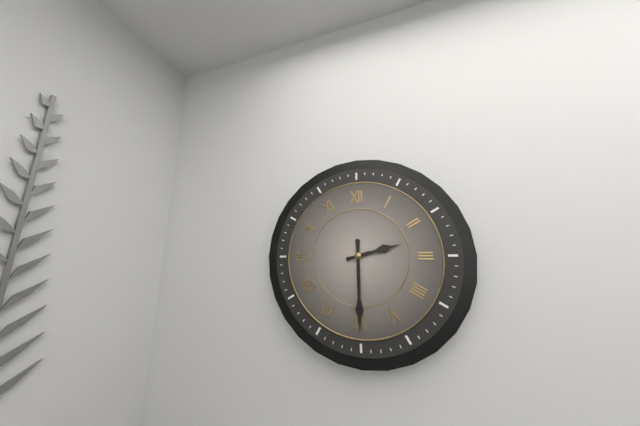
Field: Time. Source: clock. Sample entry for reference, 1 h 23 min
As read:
2 h 30 min
